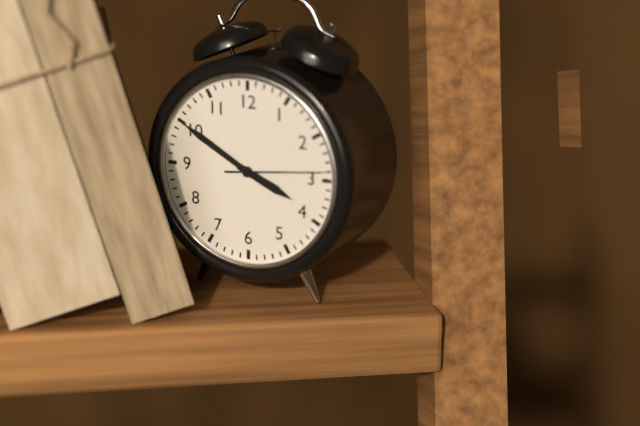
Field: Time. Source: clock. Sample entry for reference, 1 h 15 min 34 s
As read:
3 h 50 min 14 s
